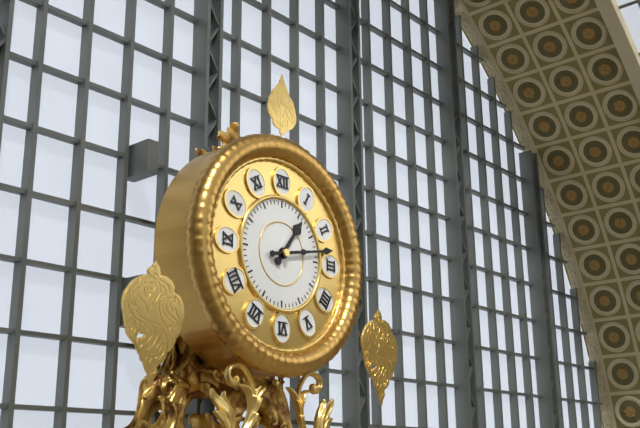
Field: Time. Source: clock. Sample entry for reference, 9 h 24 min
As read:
1 h 13 min
